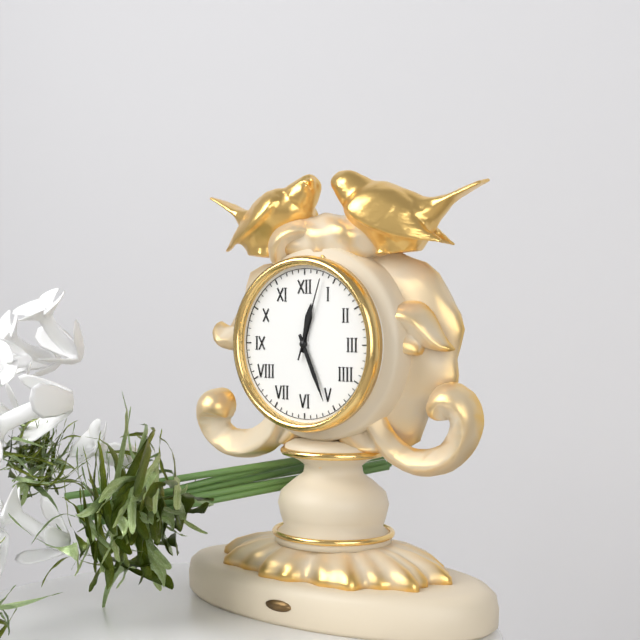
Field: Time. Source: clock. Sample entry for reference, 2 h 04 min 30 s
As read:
12 h 26 min 03 s
